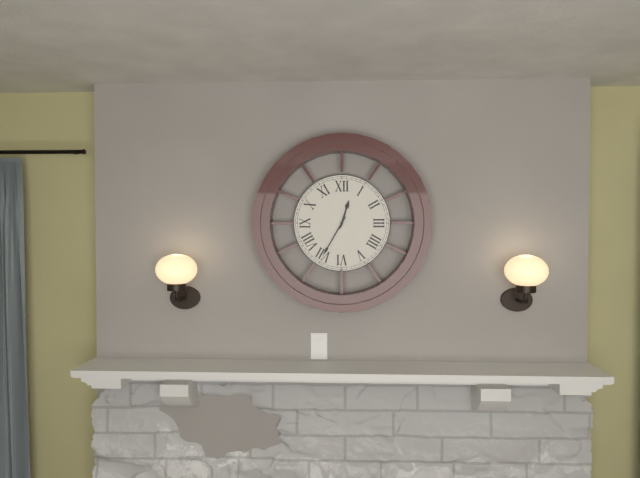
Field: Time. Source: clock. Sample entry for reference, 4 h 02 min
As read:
12 h 35 min
